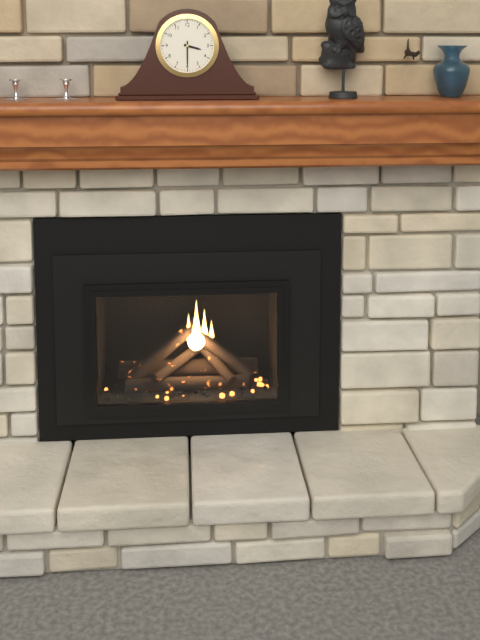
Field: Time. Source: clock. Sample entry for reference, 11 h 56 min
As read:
3 h 30 min
